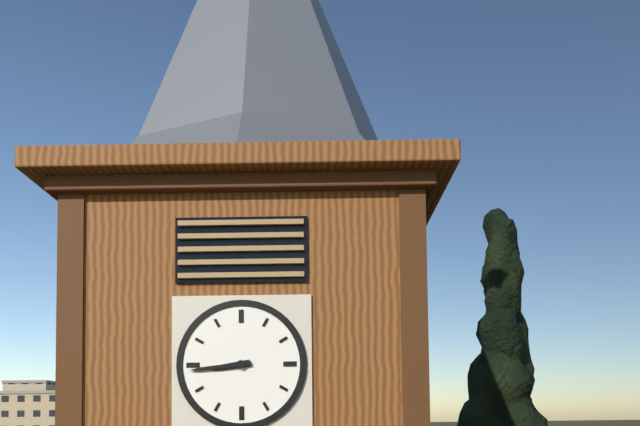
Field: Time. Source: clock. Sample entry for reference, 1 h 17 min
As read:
8 h 44 min
